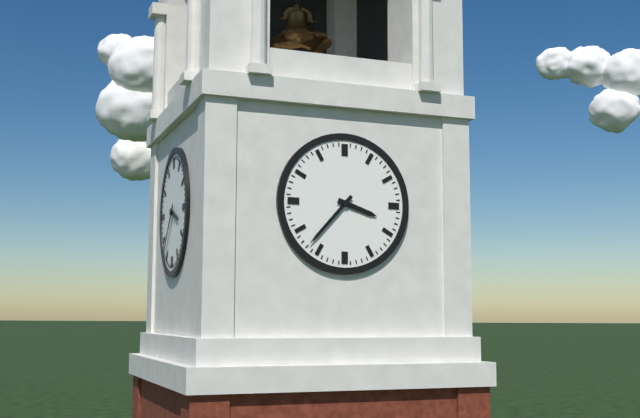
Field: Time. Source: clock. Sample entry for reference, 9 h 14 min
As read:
3 h 37 min
